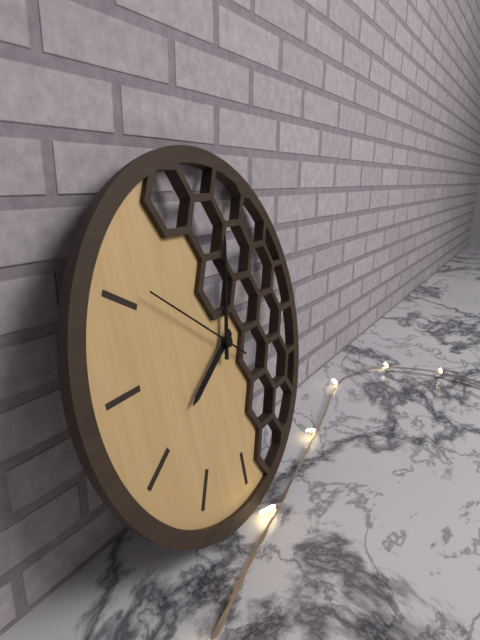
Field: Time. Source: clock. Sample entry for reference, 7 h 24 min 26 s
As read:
8 h 03 min 51 s
